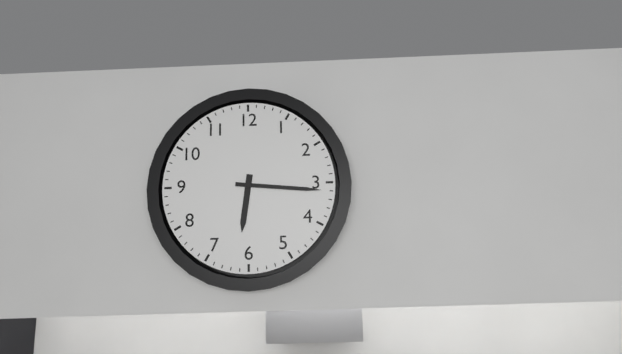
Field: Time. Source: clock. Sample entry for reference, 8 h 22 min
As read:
6 h 16 min
